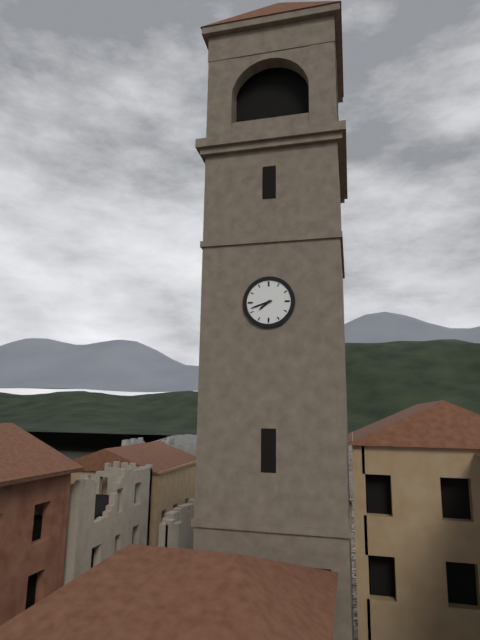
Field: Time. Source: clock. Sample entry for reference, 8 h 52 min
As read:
7 h 42 min
